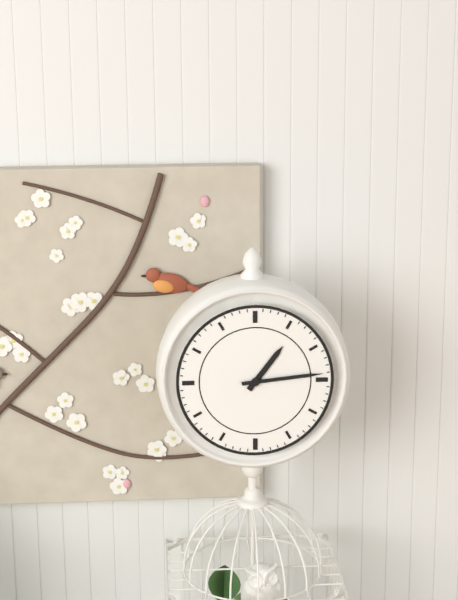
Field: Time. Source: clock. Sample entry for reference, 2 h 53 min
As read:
1 h 14 min
